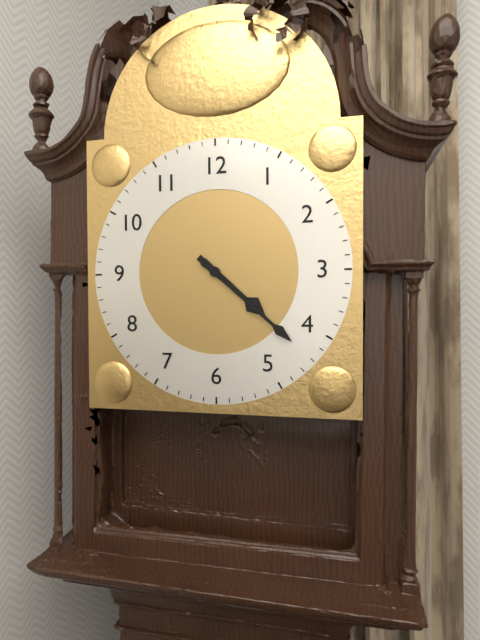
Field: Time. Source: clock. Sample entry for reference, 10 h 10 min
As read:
4 h 22 min
